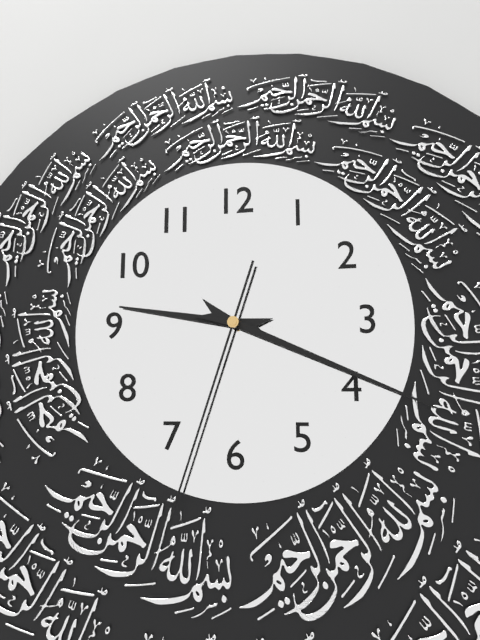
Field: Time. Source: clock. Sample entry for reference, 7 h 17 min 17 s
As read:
9 h 19 min 33 s
